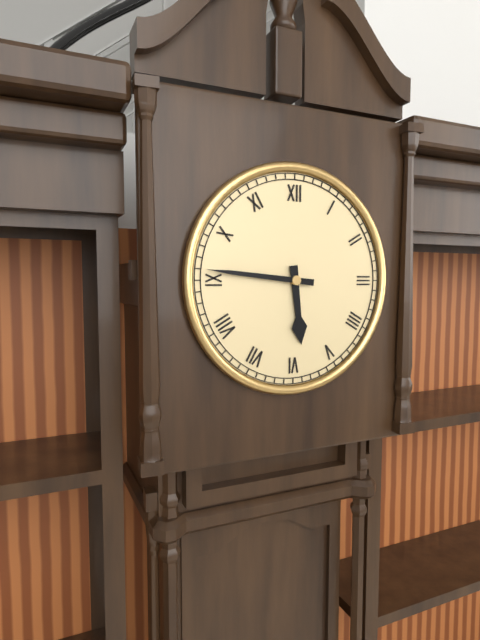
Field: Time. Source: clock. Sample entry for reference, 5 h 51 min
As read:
5 h 46 min
